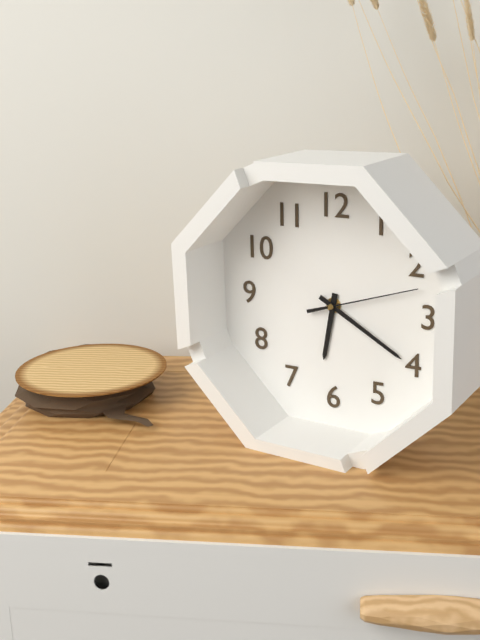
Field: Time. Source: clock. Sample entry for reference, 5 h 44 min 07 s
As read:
6 h 20 min 12 s
